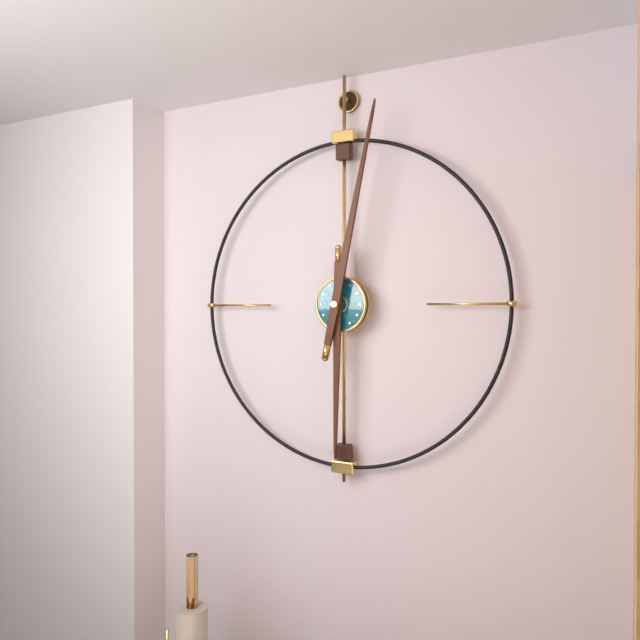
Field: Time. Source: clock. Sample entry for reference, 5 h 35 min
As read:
6 h 02 min
